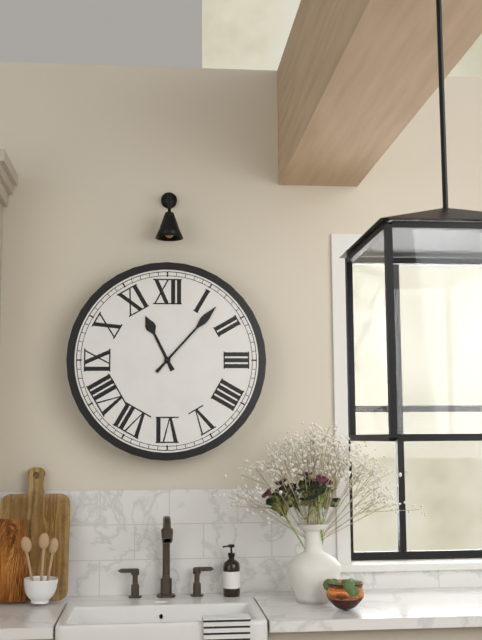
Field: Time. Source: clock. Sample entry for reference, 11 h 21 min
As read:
11 h 07 min
